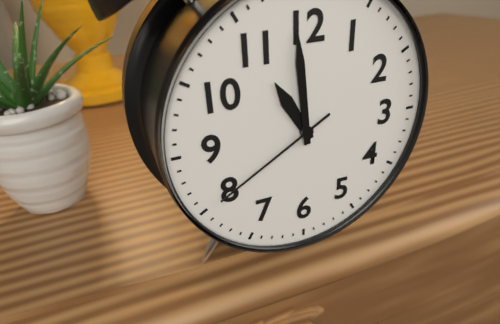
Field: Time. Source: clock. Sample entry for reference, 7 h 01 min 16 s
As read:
10 h 59 min 40 s
